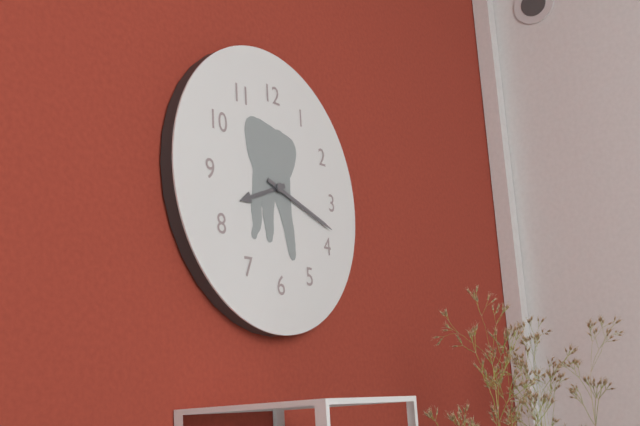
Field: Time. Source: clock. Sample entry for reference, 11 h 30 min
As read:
8 h 18 min
